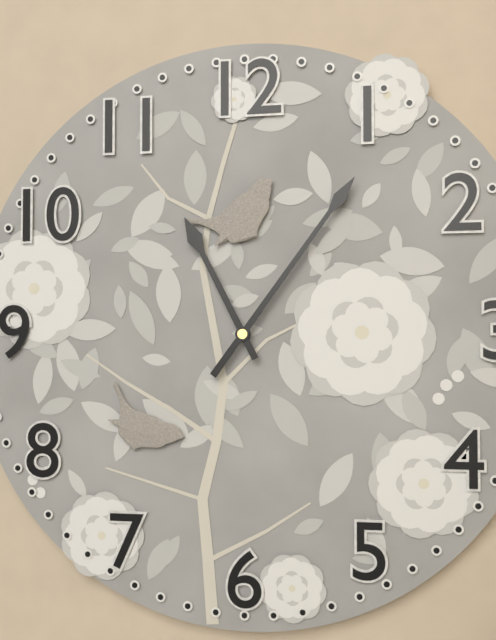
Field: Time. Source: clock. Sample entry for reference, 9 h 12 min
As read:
11 h 06 min
